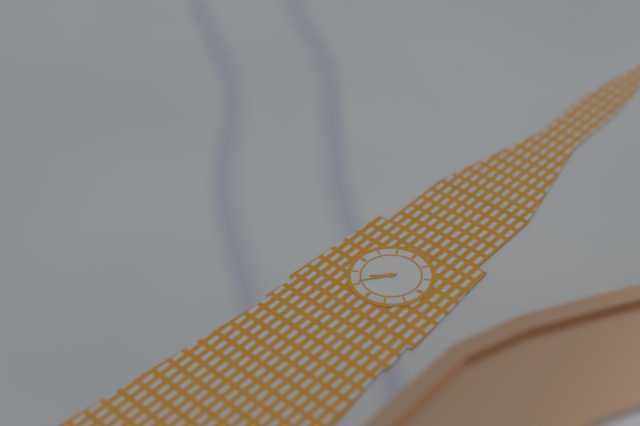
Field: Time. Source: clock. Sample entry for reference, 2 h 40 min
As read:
7 h 36 min
